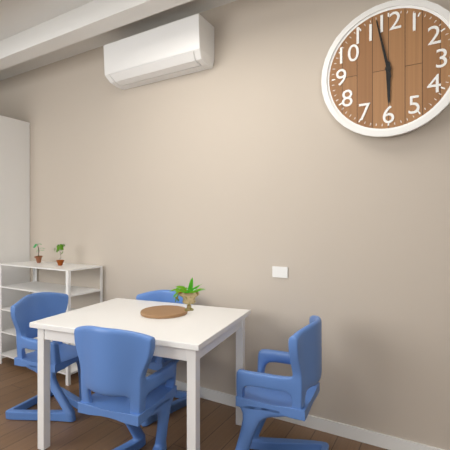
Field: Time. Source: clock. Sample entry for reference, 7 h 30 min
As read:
5 h 58 min
